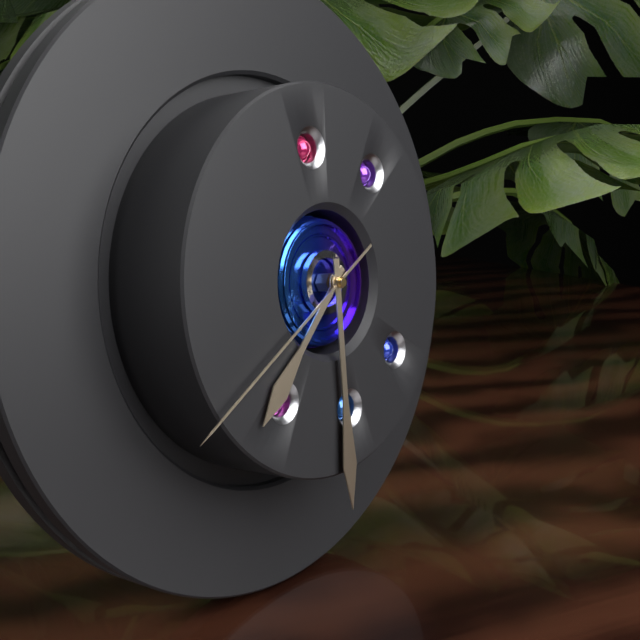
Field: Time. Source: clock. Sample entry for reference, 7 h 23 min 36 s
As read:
7 h 30 min 40 s
